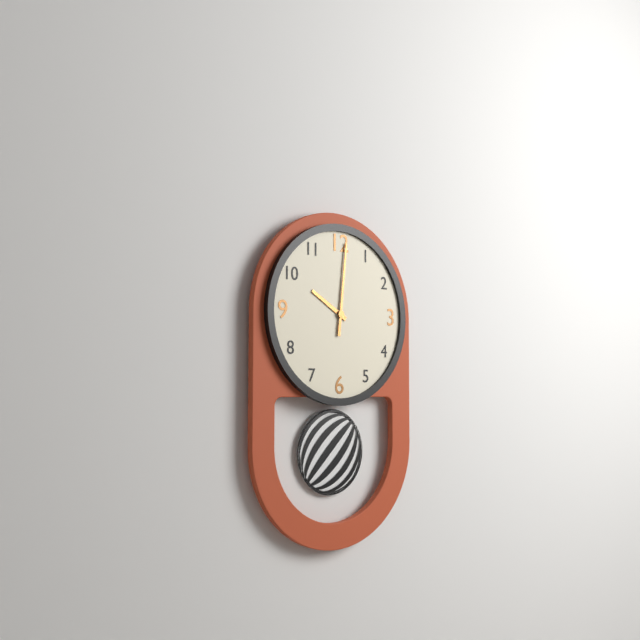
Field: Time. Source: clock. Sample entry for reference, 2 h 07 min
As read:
10 h 01 min
